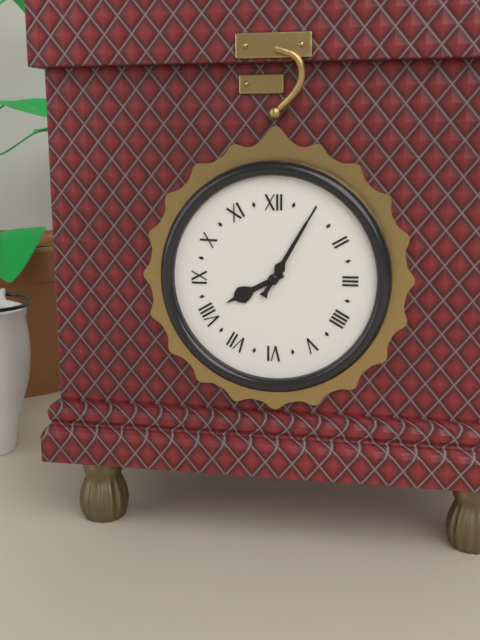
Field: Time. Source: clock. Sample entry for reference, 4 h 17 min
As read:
8 h 05 min
